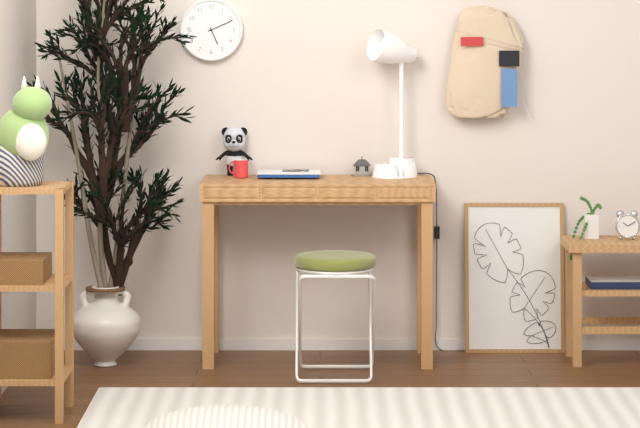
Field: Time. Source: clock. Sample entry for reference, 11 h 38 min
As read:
5 h 11 min
